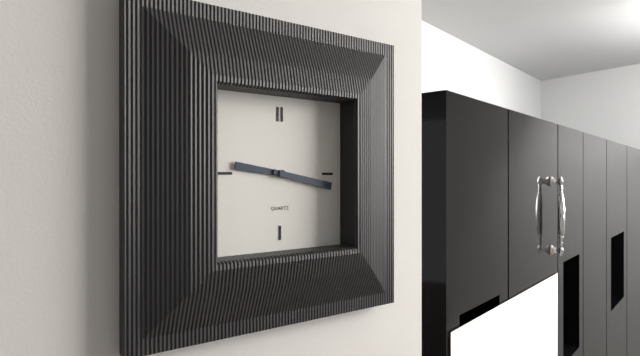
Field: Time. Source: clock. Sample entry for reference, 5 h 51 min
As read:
9 h 17 min
